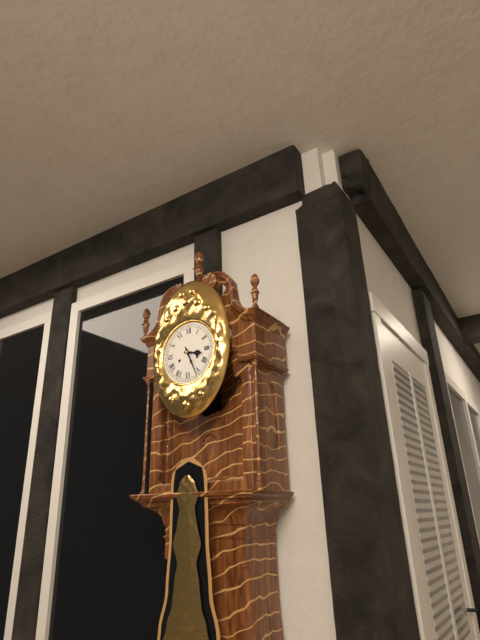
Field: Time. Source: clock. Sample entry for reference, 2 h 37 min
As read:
3 h 26 min
